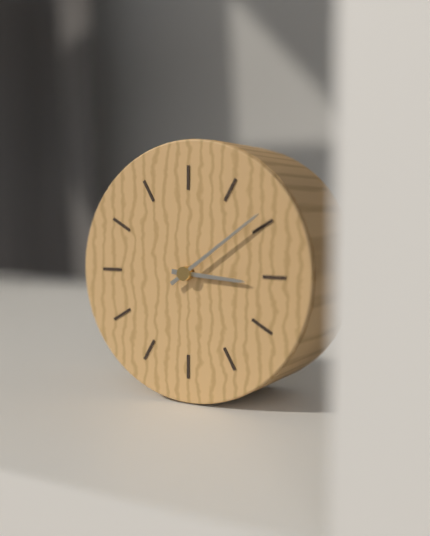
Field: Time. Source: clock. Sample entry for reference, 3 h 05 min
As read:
3 h 09 min
